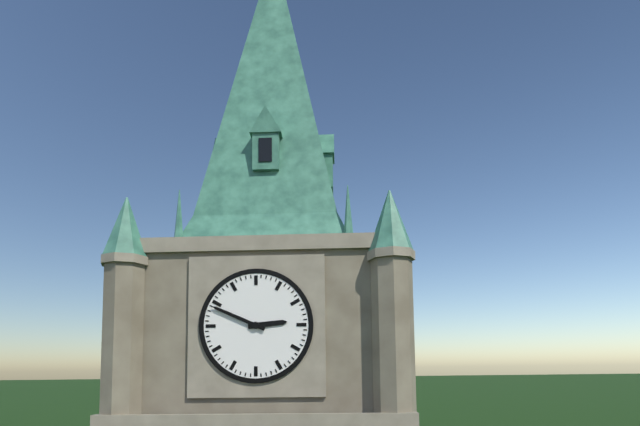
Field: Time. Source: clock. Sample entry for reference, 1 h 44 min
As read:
2 h 49 min
